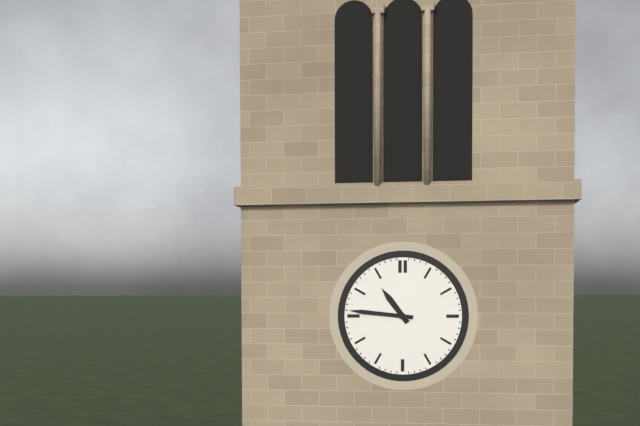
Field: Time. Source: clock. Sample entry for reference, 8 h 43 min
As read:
10 h 46 min
